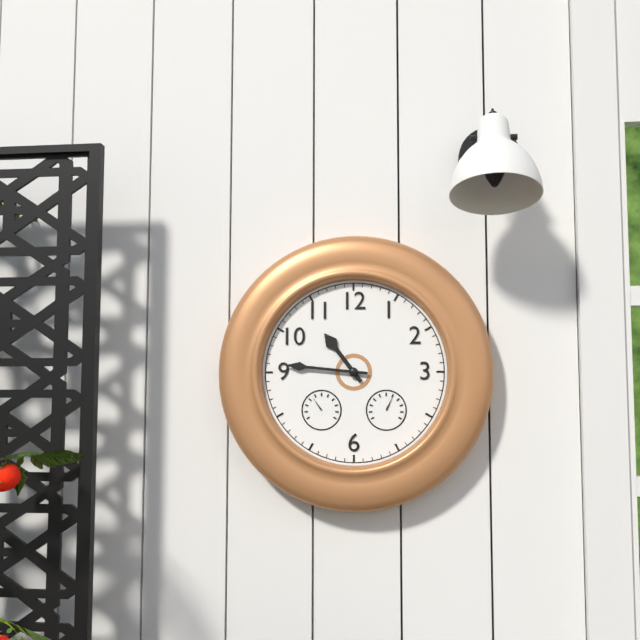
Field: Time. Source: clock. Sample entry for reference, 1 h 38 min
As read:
10 h 46 min
